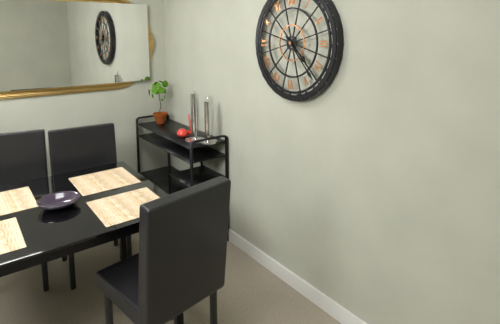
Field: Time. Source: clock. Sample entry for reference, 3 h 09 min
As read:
4 h 23 min
